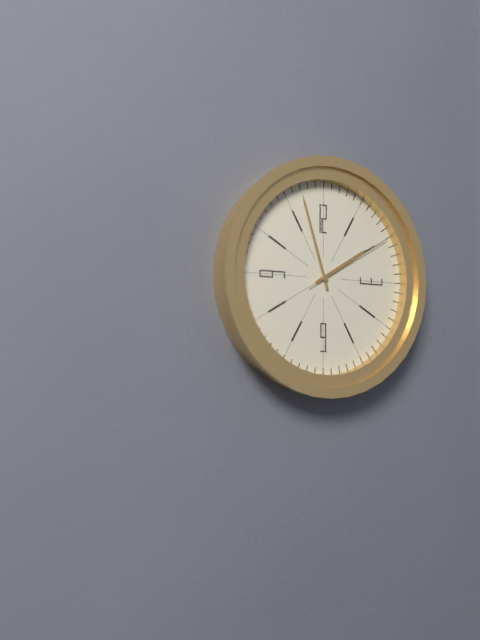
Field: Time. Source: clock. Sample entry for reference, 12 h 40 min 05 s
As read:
1 h 57 min 10 s
